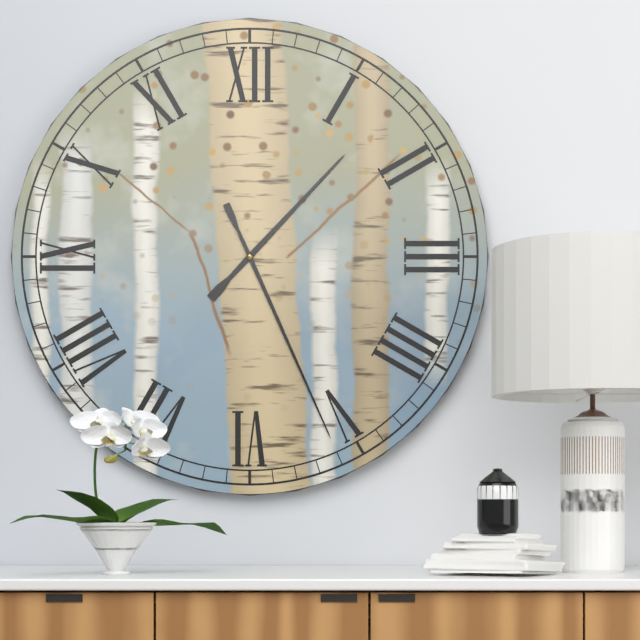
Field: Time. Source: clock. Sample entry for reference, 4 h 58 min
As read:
1 h 26 min
